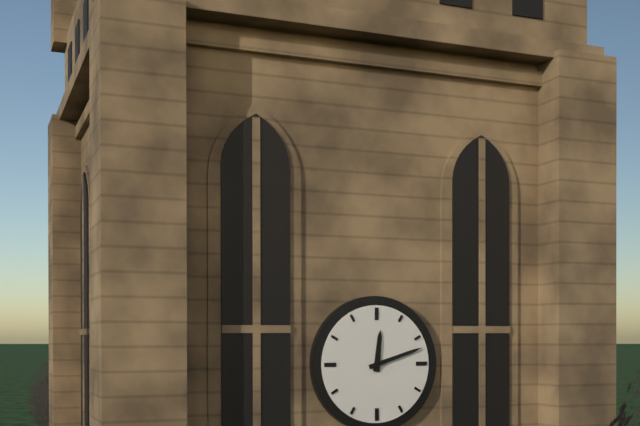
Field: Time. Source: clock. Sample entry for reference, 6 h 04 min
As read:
12 h 12 min
